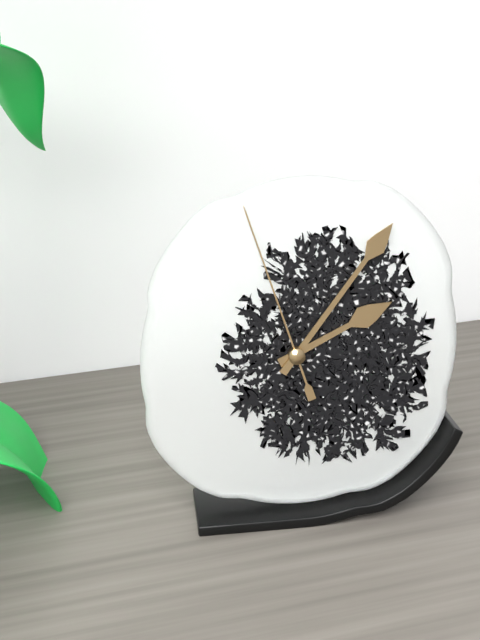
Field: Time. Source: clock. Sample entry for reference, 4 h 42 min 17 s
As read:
2 h 06 min 57 s
